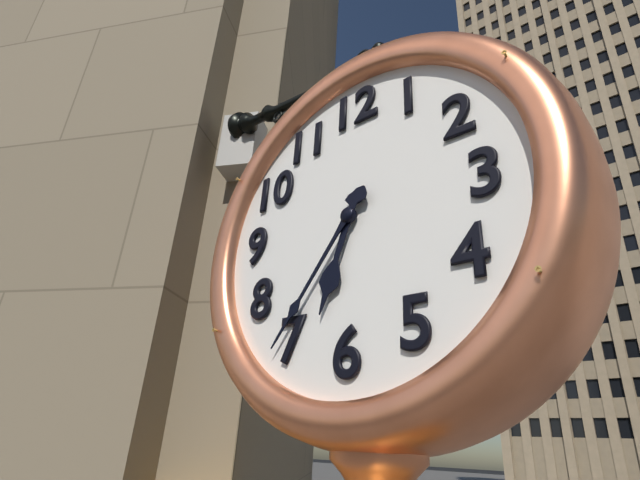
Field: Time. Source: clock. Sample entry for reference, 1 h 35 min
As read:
6 h 36 min
